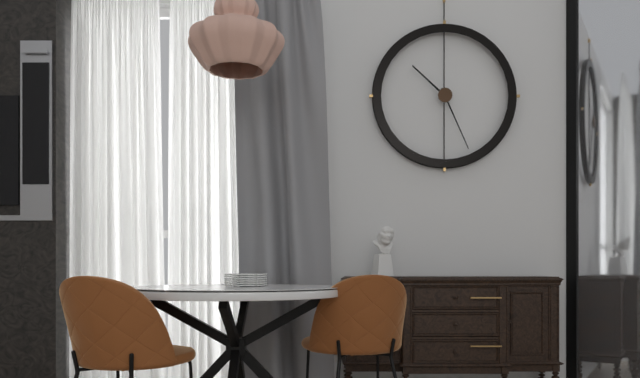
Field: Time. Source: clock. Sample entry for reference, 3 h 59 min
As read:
10 h 26 min
